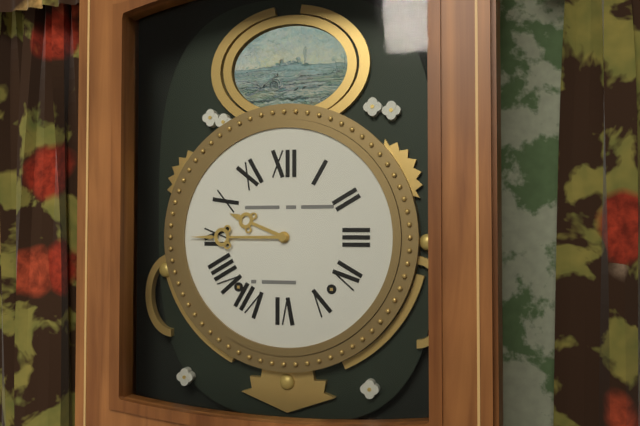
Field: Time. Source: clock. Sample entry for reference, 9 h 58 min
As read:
9 h 45 min
